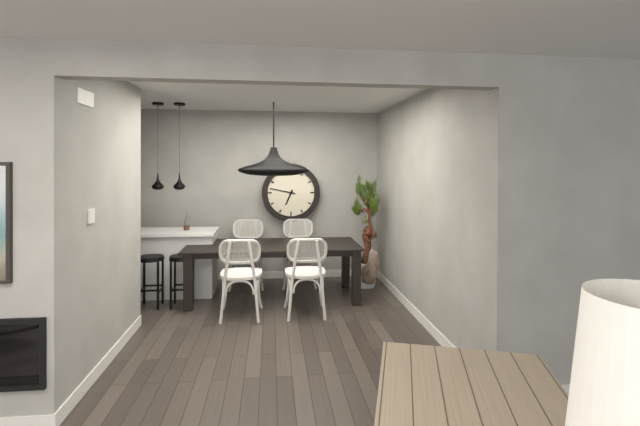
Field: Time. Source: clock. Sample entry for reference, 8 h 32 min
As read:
6 h 47 min
